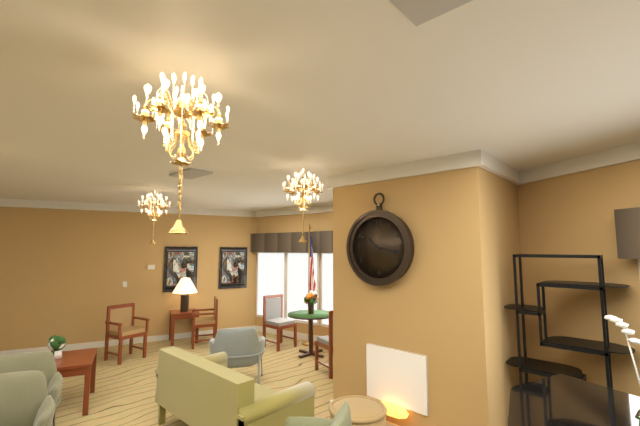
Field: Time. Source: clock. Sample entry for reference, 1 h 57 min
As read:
10 h 17 min
